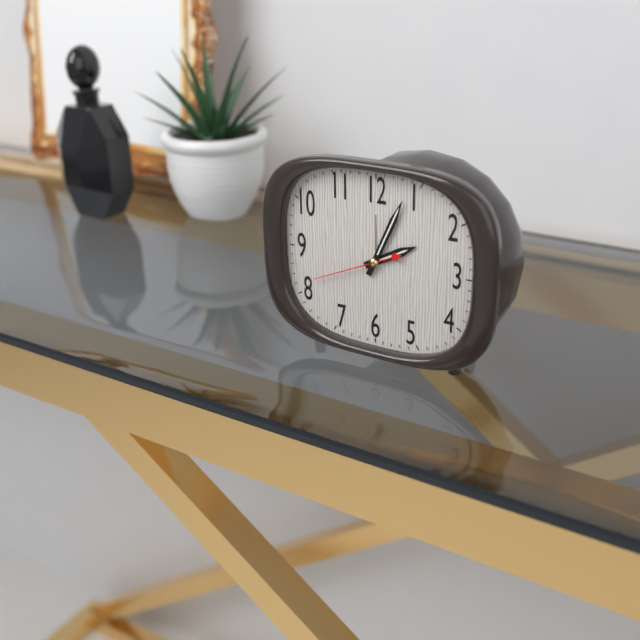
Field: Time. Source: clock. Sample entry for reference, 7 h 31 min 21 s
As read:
2 h 04 min 41 s
